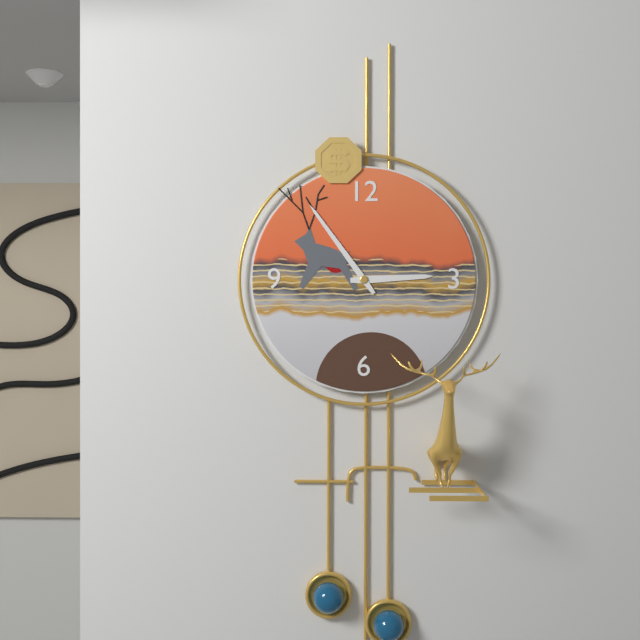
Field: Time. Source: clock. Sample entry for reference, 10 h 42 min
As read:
2 h 54 min
